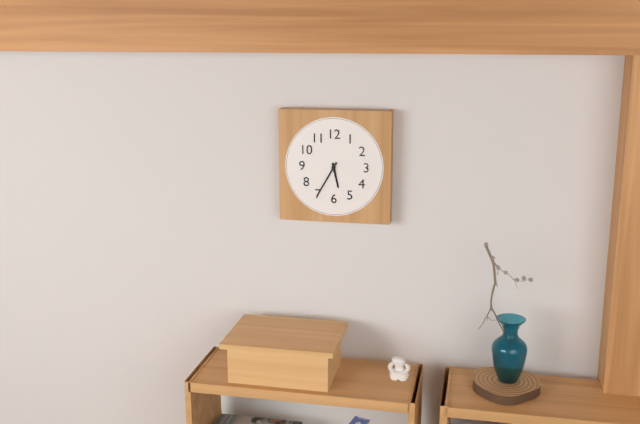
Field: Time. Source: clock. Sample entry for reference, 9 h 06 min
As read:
5 h 35 min
